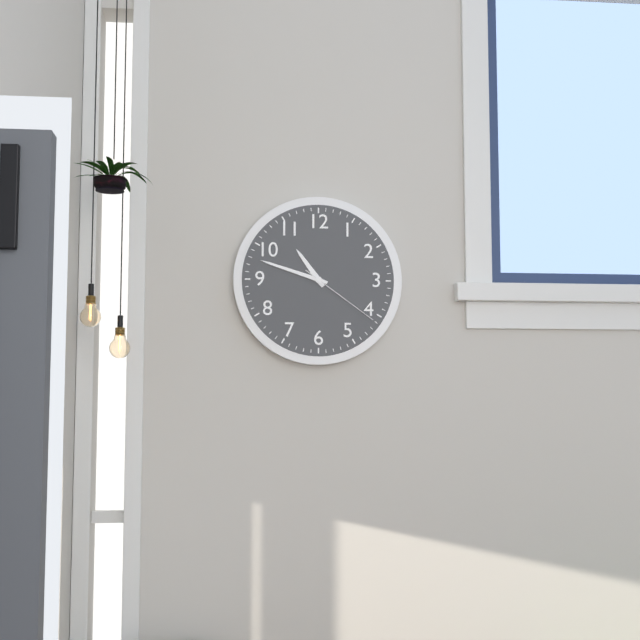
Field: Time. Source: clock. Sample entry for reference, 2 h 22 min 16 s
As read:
10 h 48 min 21 s
